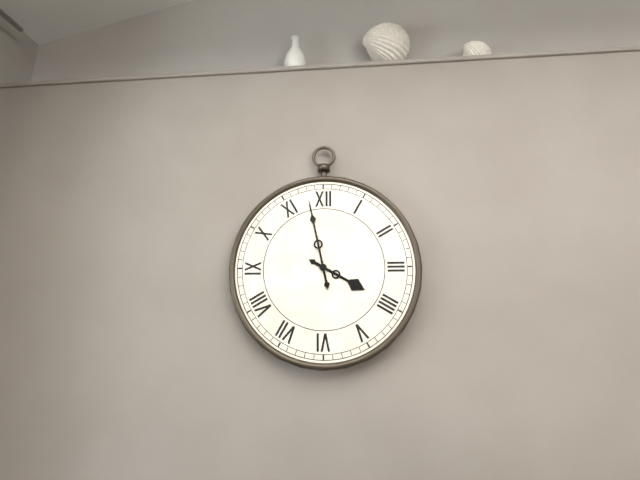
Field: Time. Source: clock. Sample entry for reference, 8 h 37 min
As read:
3 h 58 min
